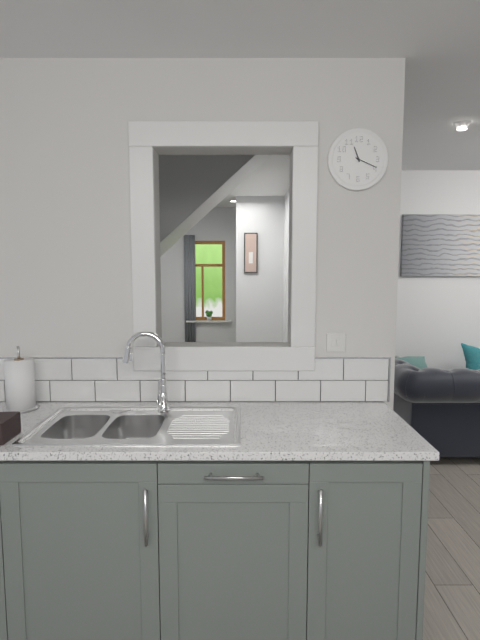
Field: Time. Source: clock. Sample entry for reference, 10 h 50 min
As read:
11 h 19 min
